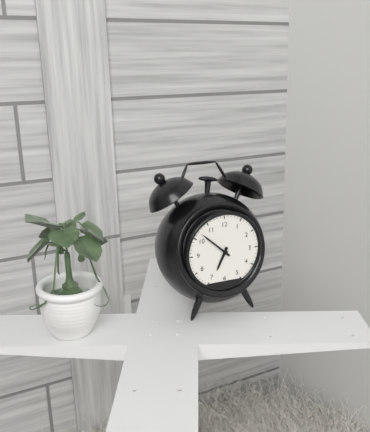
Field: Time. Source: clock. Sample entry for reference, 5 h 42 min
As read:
6 h 52 min
